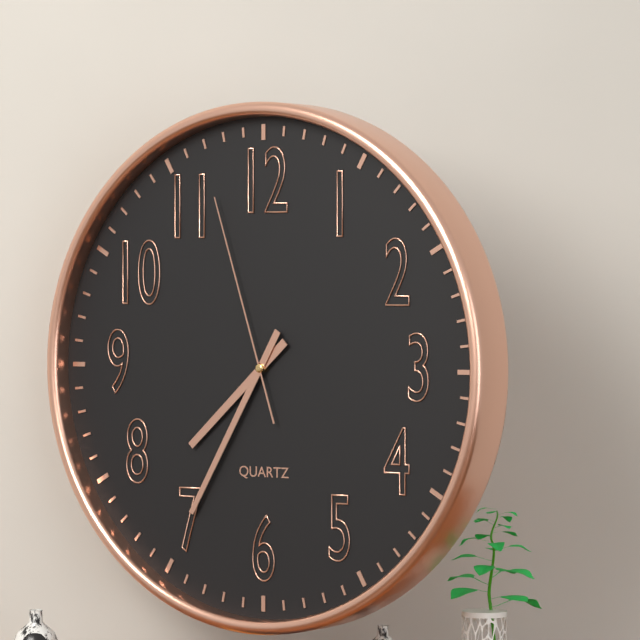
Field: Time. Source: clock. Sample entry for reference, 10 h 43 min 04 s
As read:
7 h 35 min 57 s
